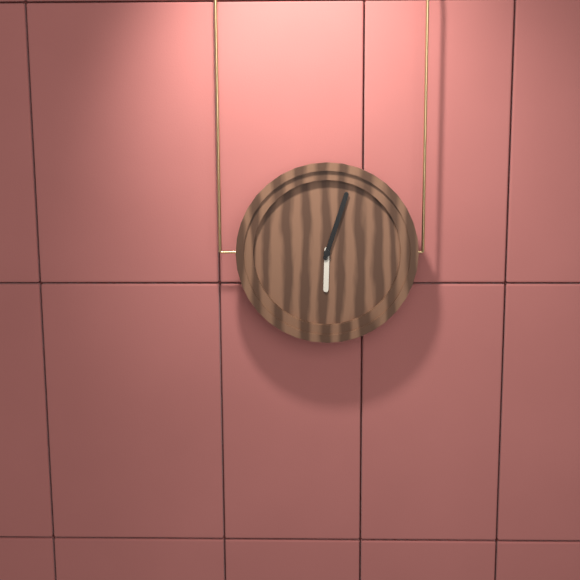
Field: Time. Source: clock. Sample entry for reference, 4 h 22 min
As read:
6 h 03 min
